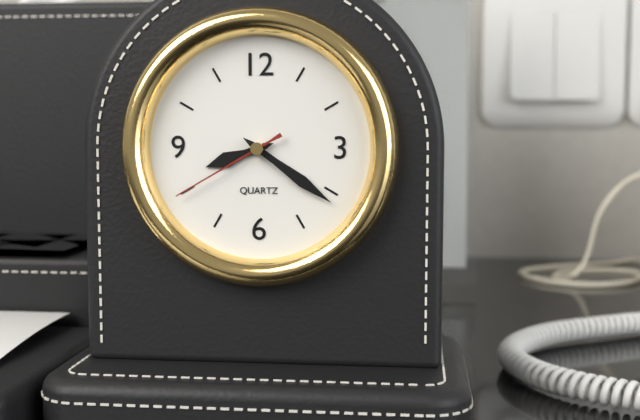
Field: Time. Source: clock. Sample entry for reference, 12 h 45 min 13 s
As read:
8 h 21 min 40 s
